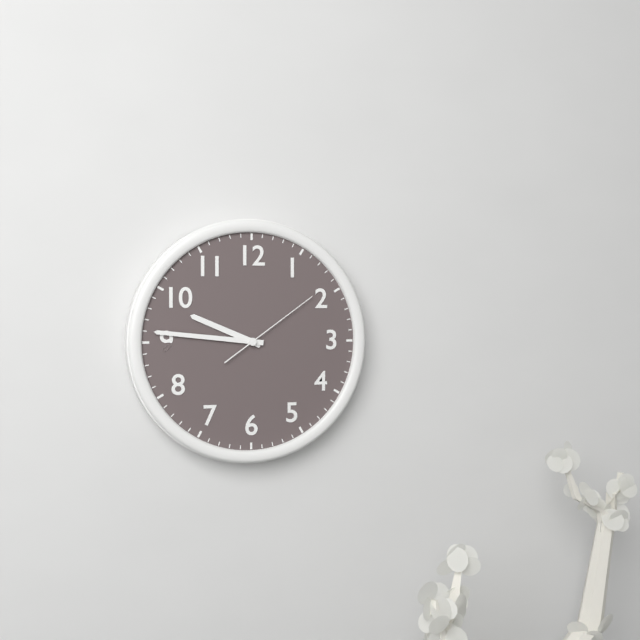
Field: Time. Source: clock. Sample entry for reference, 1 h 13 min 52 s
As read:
9 h 46 min 09 s
